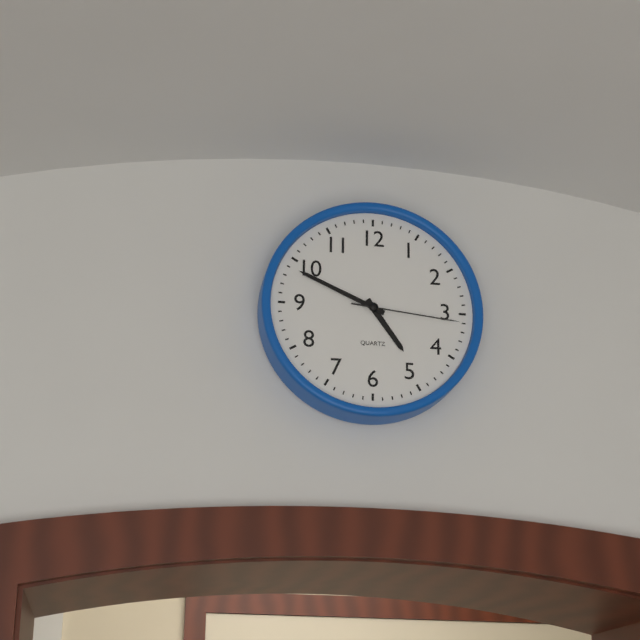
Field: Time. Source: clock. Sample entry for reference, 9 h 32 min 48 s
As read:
4 h 49 min 16 s
